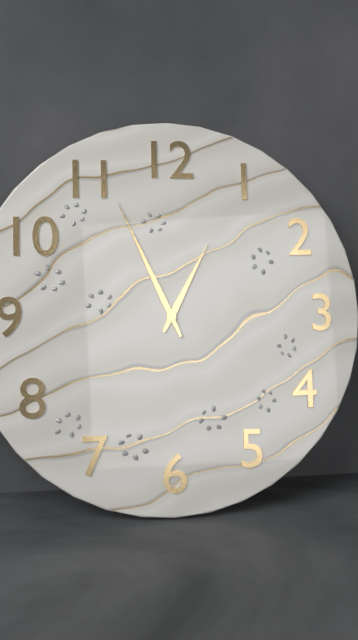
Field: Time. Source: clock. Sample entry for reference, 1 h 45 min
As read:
12 h 56 min
